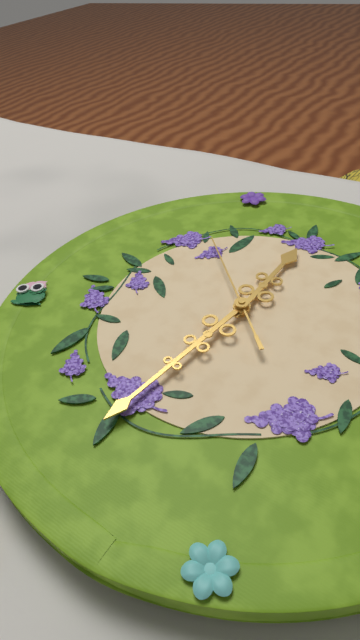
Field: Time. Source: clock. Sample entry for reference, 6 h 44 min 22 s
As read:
12 h 34 min 55 s
